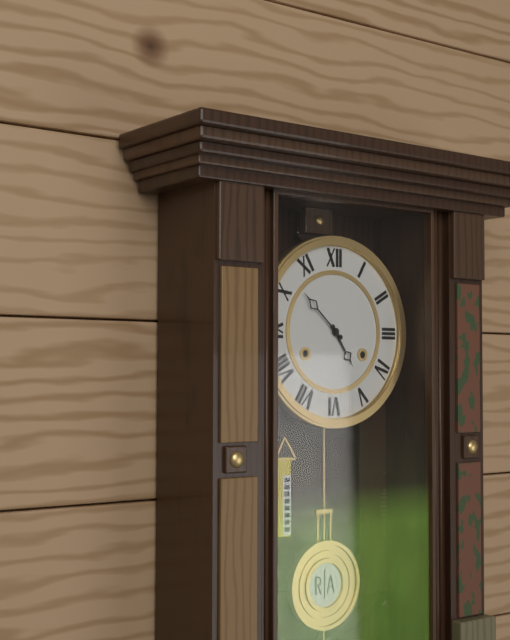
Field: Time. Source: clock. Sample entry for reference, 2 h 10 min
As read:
4 h 52 min
